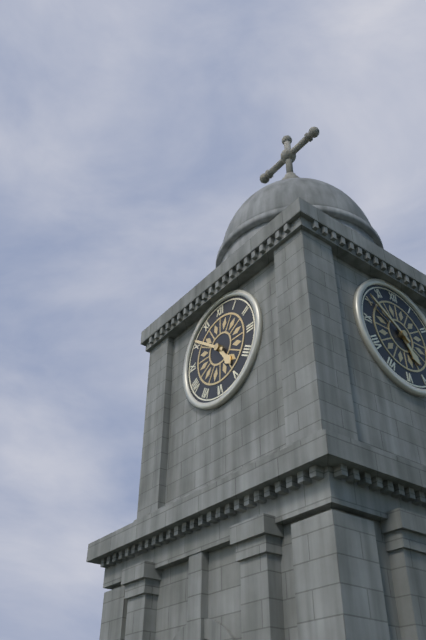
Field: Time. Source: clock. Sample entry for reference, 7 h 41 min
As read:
4 h 51 min
